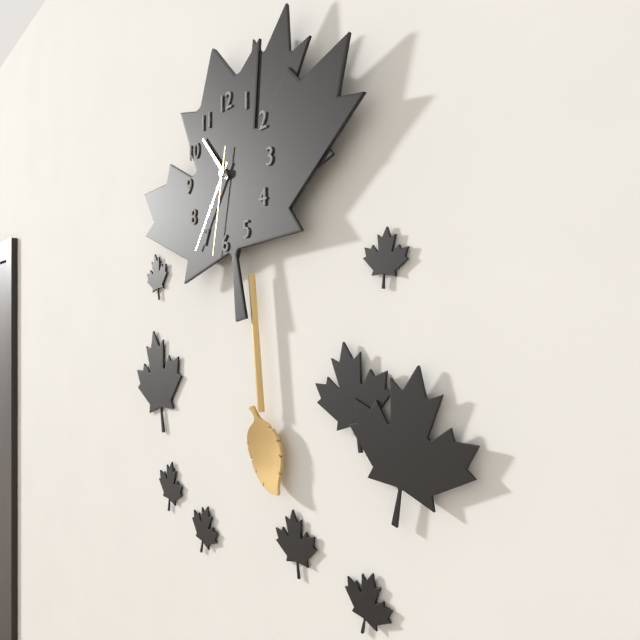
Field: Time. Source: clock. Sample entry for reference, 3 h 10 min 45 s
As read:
10 h 36 min 32 s
